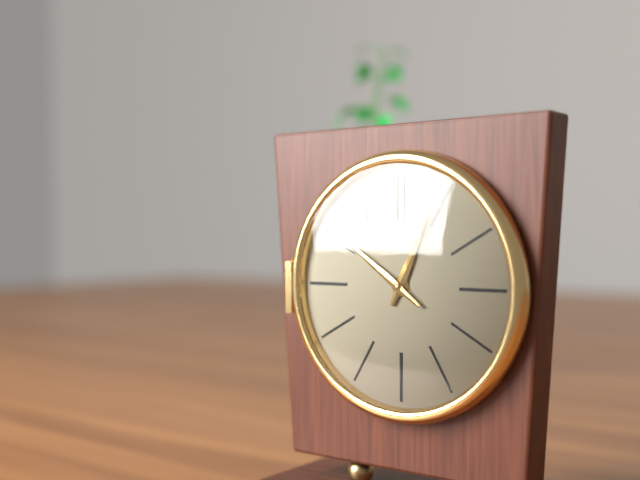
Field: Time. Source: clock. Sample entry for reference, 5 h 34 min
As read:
12 h 51 min
